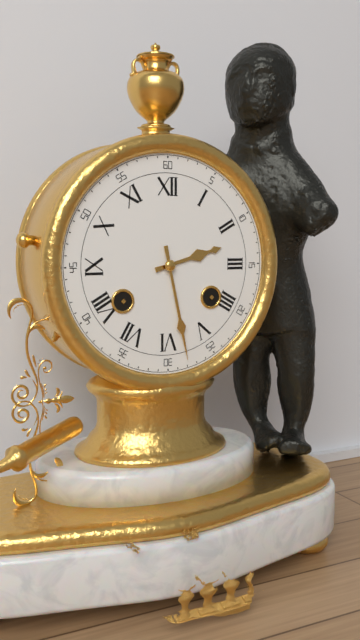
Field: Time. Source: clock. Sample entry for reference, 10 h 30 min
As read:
2 h 28 min
